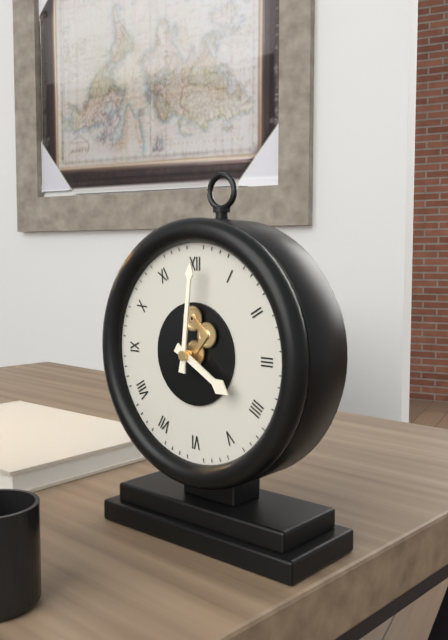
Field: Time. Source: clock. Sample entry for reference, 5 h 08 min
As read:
4 h 01 min
